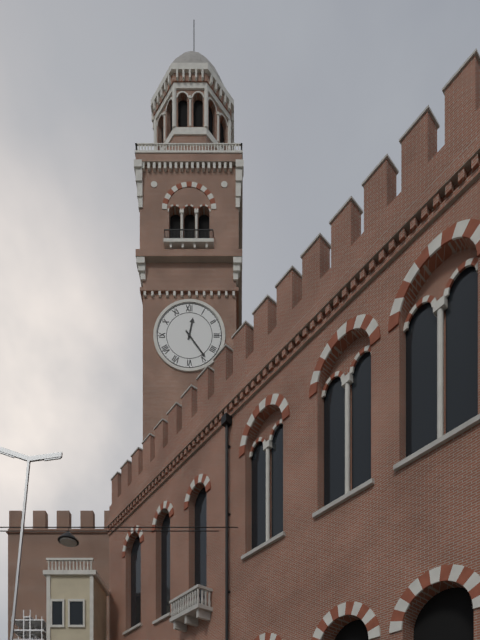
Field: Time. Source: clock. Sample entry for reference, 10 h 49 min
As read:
12 h 24 min
